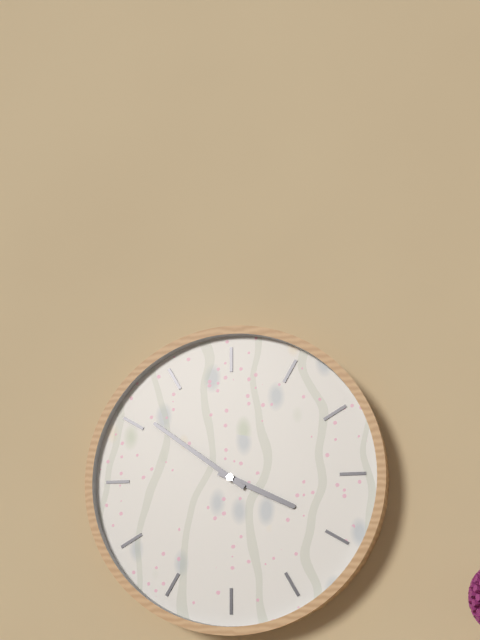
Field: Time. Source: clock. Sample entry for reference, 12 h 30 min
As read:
3 h 51 min
